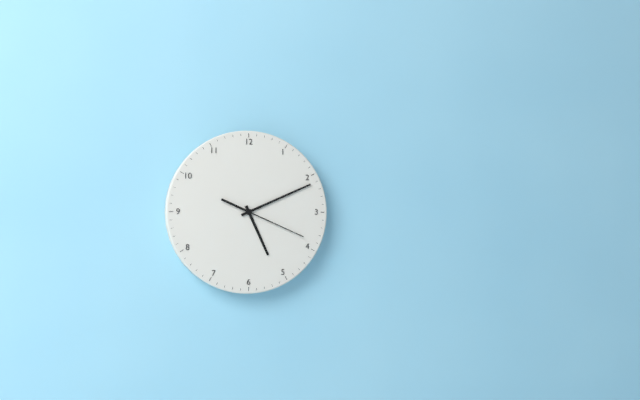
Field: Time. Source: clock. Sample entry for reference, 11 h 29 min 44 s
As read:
5 h 11 min 19 s
